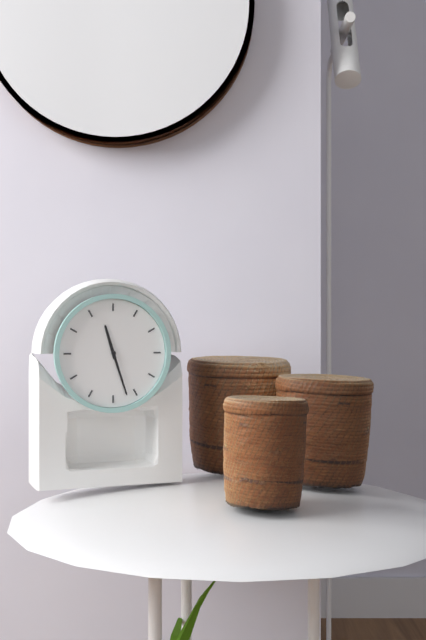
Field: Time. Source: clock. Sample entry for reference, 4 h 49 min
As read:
11 h 27 min
